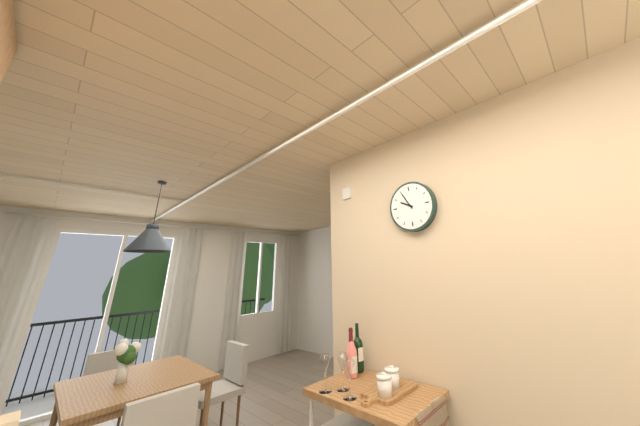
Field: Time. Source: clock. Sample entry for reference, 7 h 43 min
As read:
9 h 55 min
